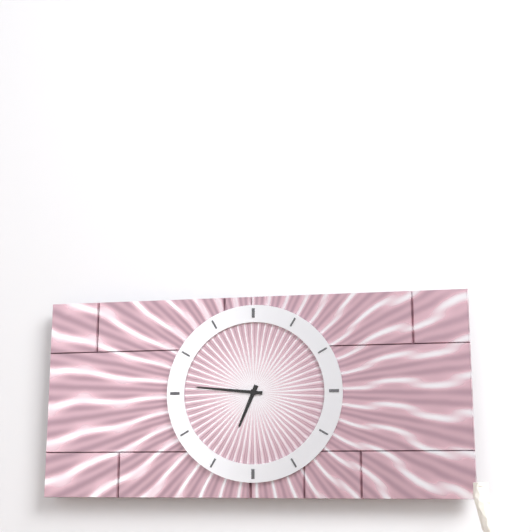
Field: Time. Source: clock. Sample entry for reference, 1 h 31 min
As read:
6 h 46 min
